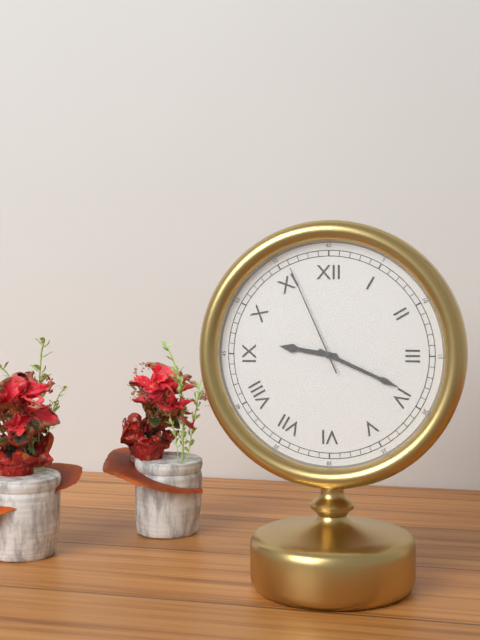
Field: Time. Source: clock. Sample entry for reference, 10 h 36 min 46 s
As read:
9 h 19 min 56 s
